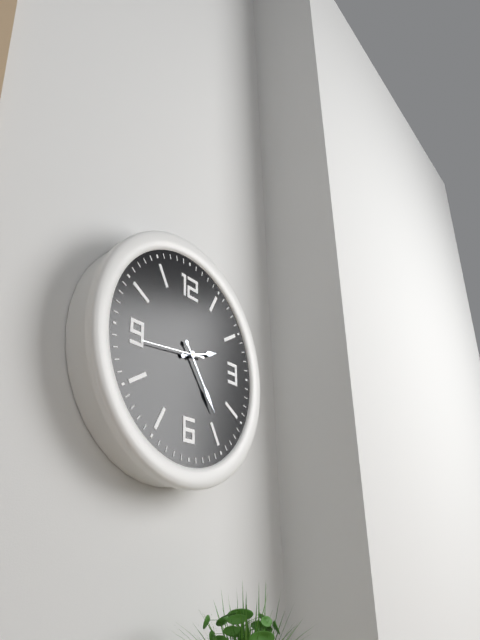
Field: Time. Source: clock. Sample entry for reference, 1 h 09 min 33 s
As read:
2 h 24 min 44 s
